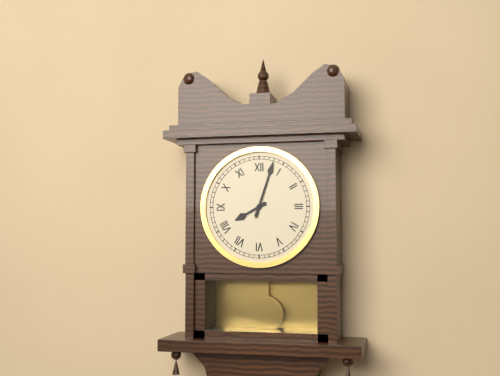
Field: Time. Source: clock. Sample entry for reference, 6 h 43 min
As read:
8 h 03 min
